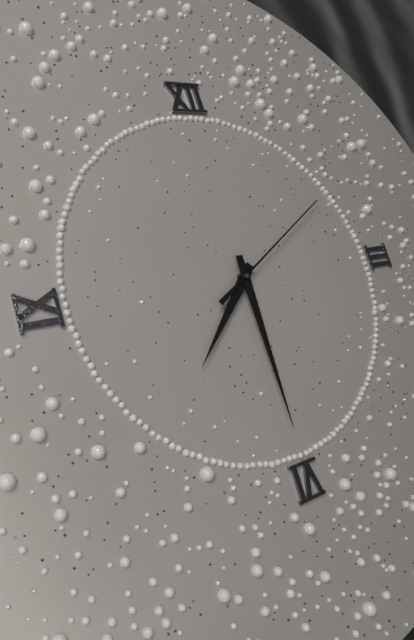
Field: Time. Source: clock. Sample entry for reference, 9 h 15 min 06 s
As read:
7 h 30 min 10 s
